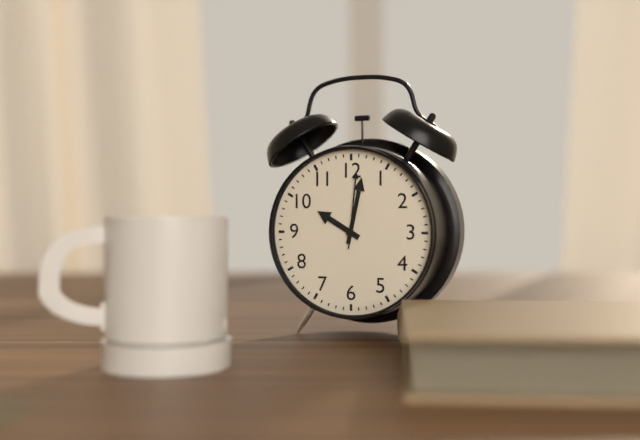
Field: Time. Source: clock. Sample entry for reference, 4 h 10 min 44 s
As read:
10 h 02 min 01 s
